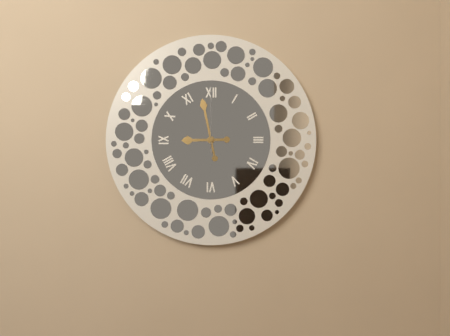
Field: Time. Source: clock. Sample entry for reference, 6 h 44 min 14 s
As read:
8 h 58 min 00 s
